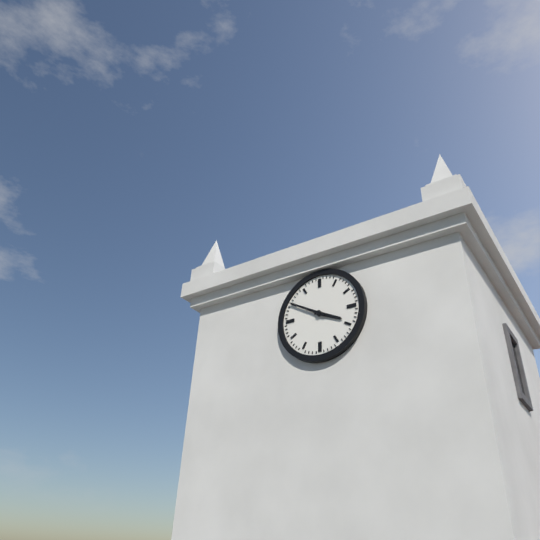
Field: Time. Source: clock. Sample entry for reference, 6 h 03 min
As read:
3 h 50 min
